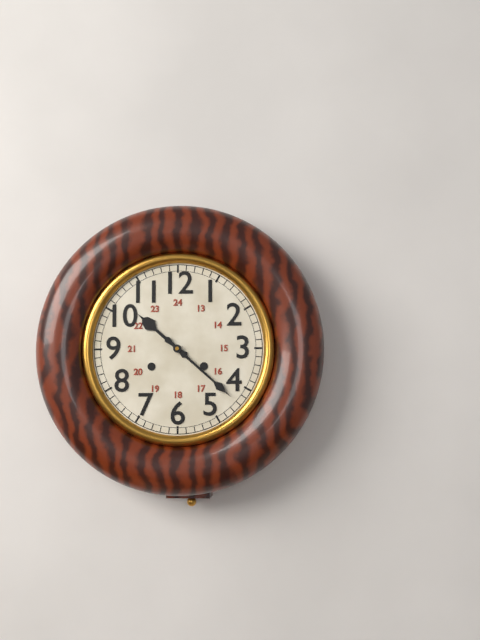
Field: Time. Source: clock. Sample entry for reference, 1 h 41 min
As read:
10 h 22 min
